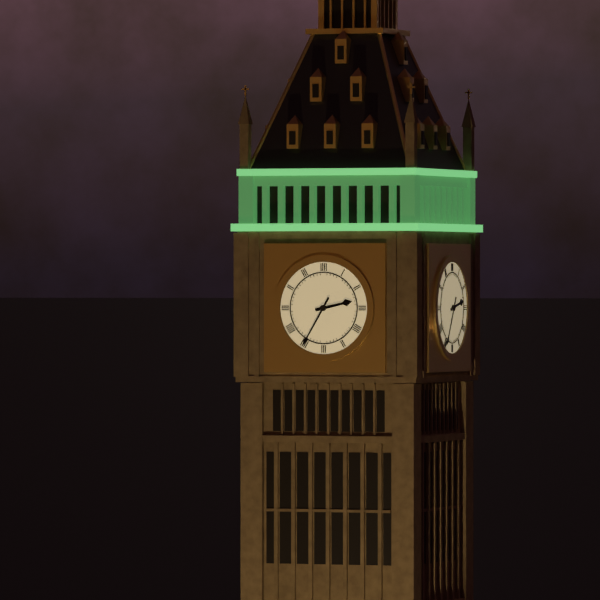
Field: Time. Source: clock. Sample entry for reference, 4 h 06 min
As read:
2 h 35 min
